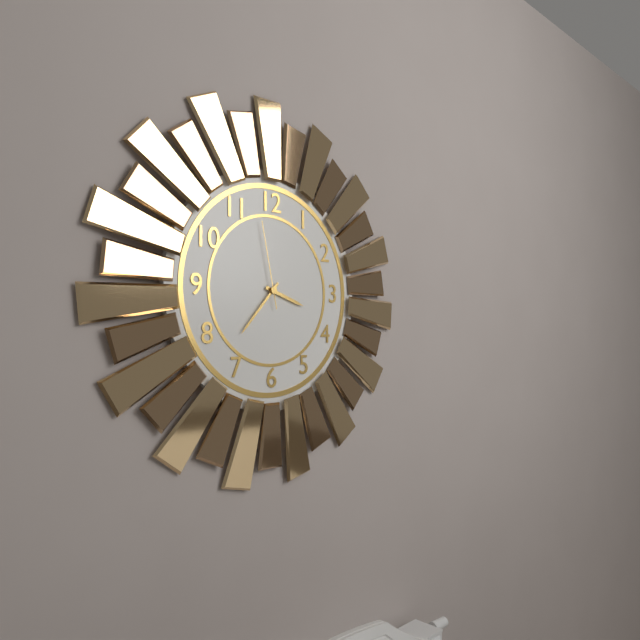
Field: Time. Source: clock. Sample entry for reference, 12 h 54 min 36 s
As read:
3 h 37 min 58 s
